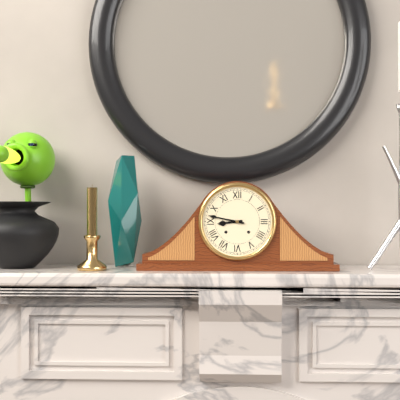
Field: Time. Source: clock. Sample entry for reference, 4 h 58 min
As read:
8 h 47 min
